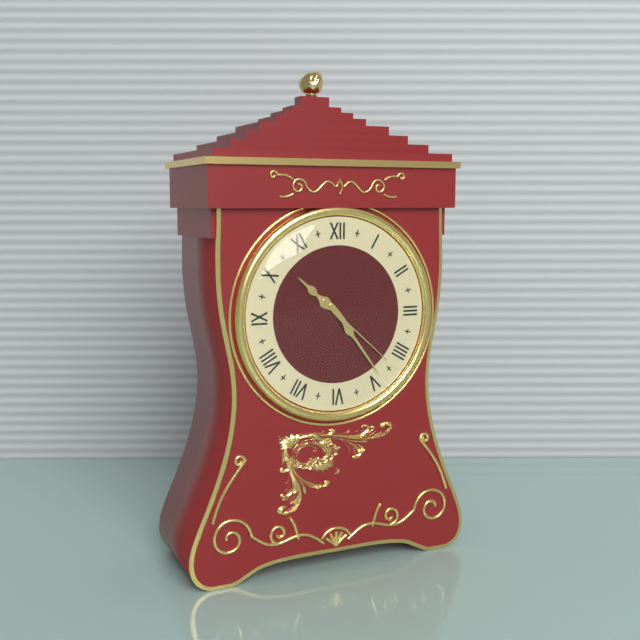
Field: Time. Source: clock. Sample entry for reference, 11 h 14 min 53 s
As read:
10 h 24 min 22 s
